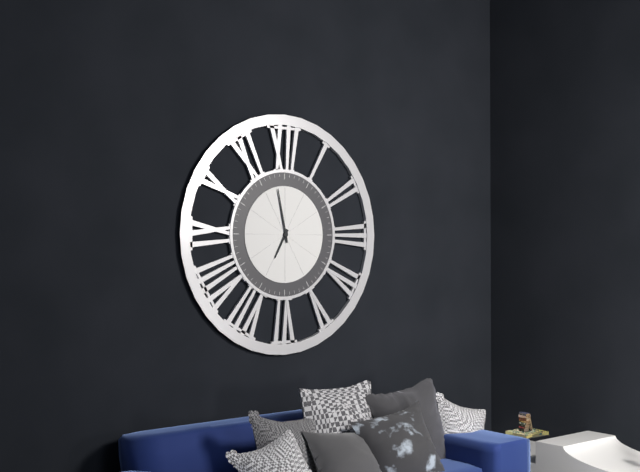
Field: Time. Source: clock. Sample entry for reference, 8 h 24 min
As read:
6 h 58 min
